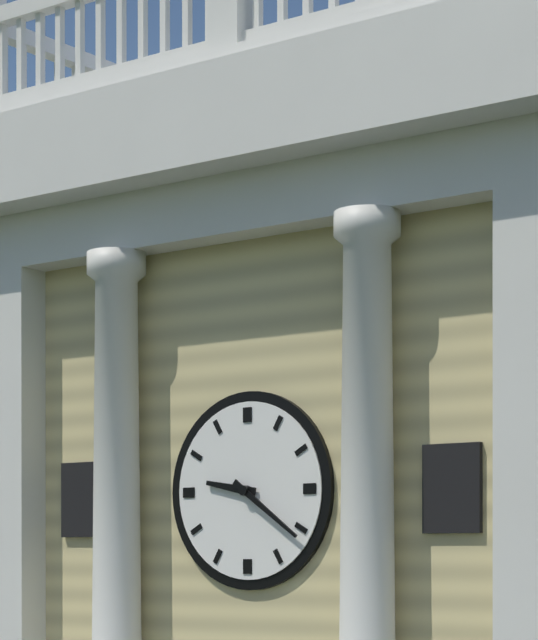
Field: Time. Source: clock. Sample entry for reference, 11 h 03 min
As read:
9 h 21 min
